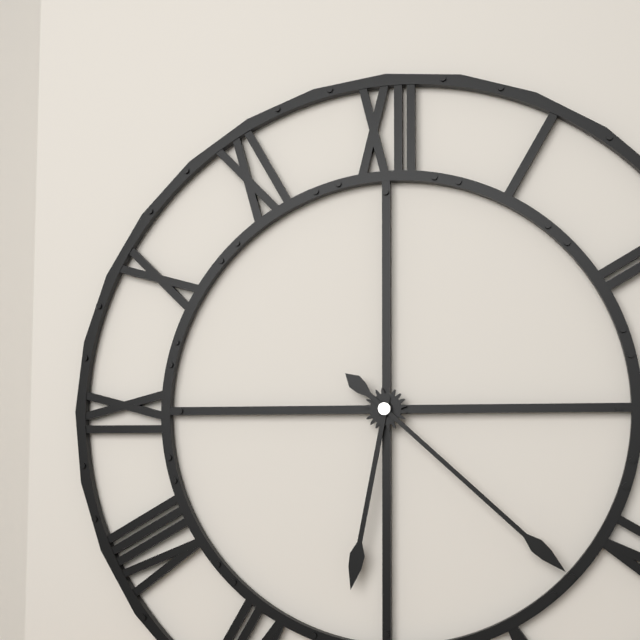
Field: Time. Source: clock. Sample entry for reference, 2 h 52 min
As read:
6 h 22 min
